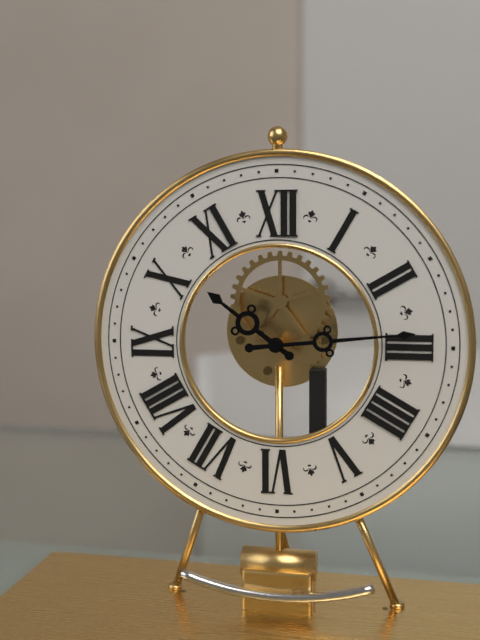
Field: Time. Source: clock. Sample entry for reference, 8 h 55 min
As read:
10 h 14 min
